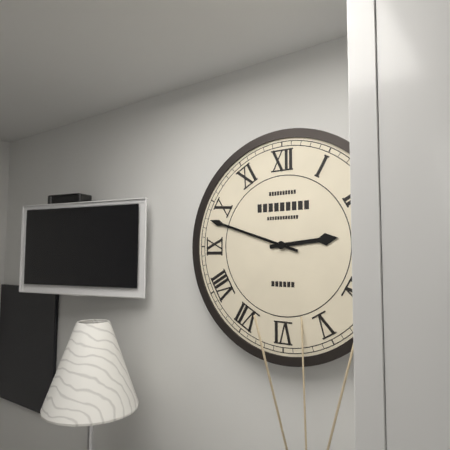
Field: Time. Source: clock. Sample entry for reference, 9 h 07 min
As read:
2 h 48 min
